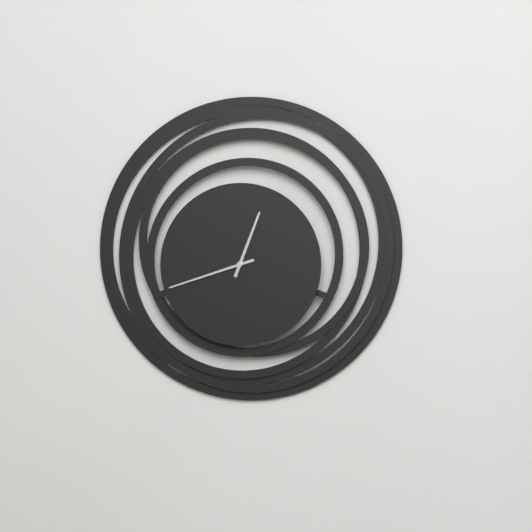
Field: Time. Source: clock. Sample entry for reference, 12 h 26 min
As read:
12 h 42 min
